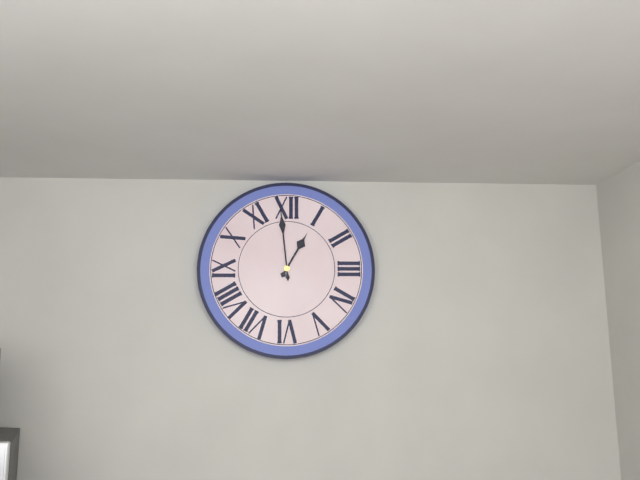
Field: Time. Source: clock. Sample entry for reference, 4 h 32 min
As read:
12 h 59 min
